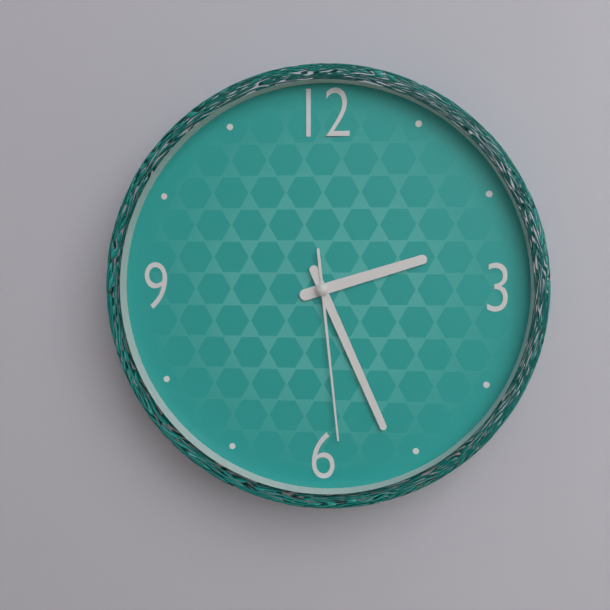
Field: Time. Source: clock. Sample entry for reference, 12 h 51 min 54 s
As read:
2 h 26 min 29 s
